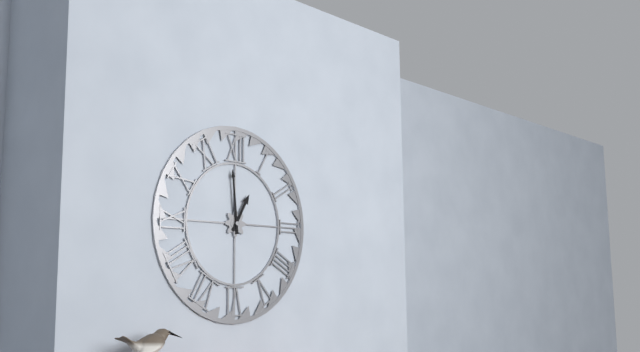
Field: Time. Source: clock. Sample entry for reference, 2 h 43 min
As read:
12 h 59 min
